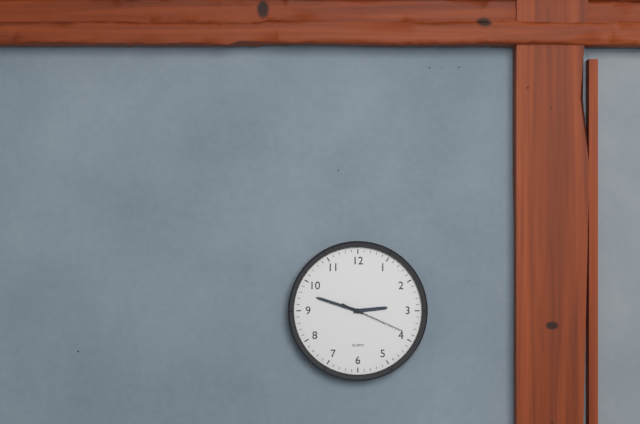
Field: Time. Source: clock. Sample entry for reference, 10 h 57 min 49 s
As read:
2 h 48 min 19 s
